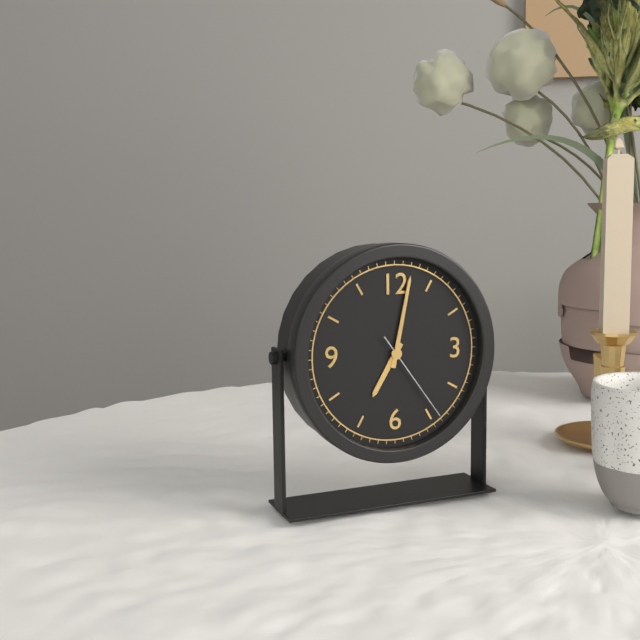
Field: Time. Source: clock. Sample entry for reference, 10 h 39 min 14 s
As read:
7 h 02 min 24 s
